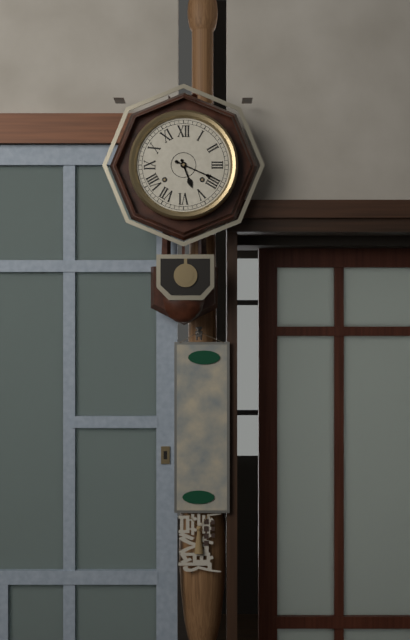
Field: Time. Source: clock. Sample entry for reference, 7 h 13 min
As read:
5 h 19 min
